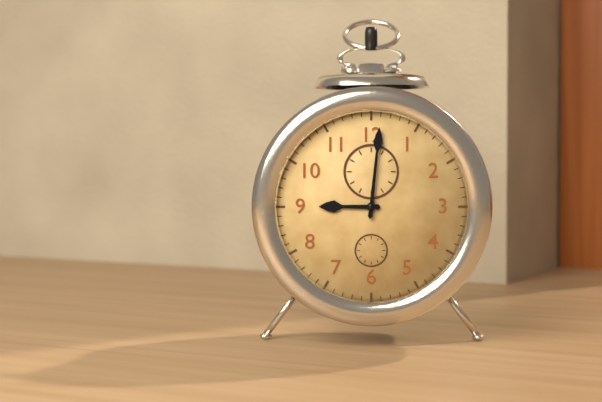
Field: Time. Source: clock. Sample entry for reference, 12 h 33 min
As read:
9 h 01 min
